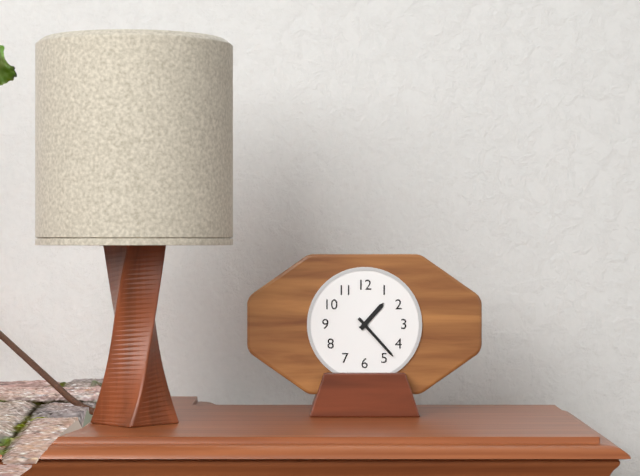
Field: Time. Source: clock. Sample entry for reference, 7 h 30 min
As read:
1 h 23 min
